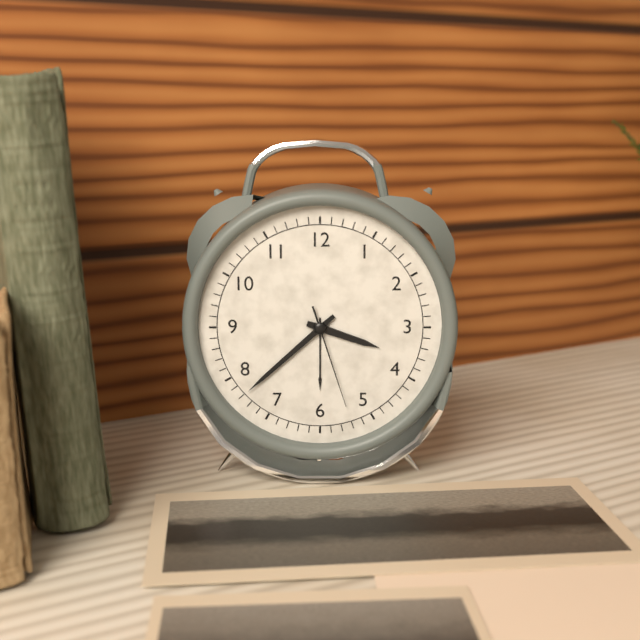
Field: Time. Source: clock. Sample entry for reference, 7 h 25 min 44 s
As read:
3 h 38 min 27 s
